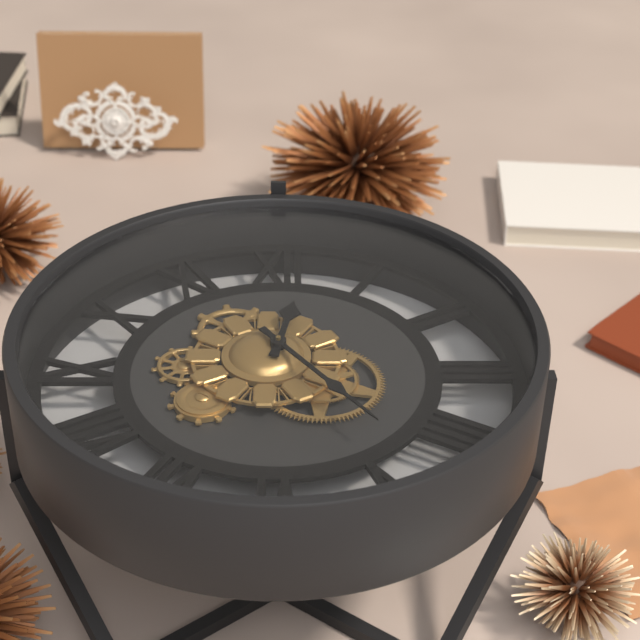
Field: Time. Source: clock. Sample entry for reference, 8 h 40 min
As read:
12 h 24 min
